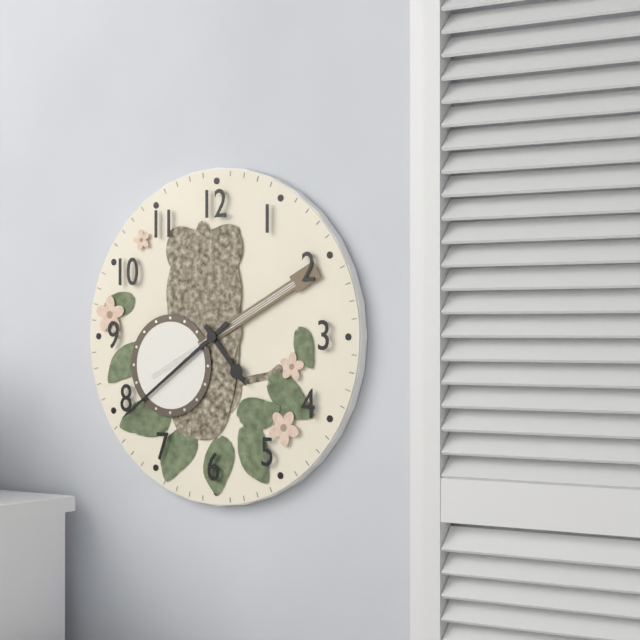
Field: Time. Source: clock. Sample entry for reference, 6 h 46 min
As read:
4 h 39 min
